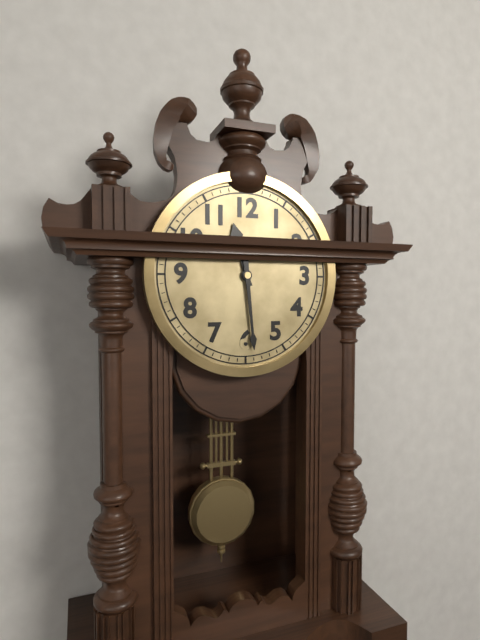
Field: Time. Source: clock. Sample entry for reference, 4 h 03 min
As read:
11 h 29 min
